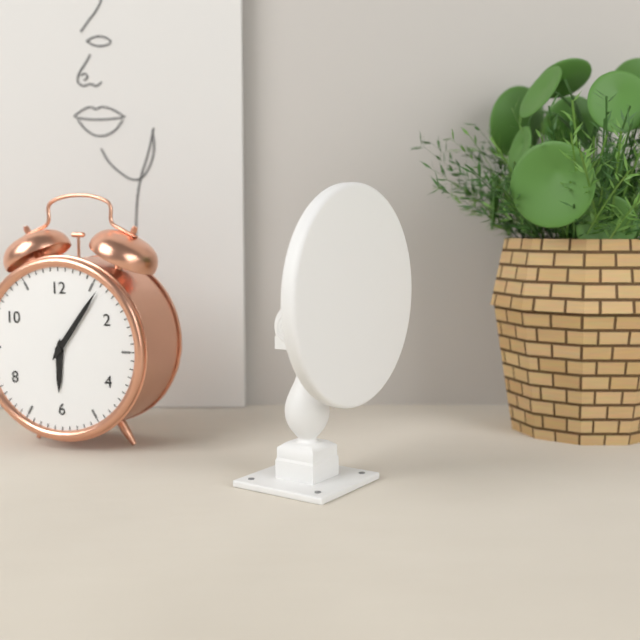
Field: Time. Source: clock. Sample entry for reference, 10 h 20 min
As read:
6 h 06 min
